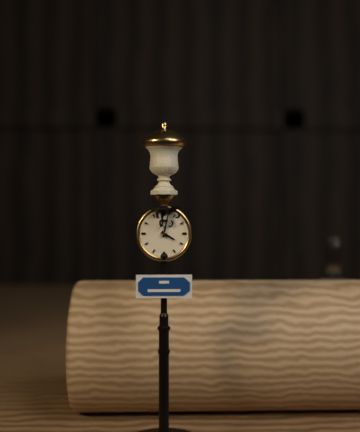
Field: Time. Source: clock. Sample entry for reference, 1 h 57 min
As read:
4 h 02 min
